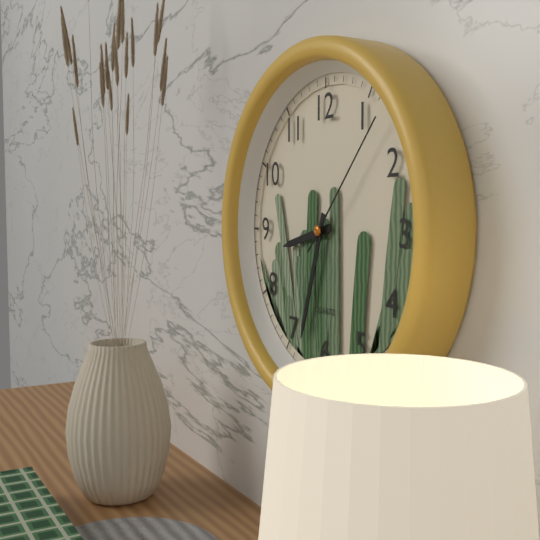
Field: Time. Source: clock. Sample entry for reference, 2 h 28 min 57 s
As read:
8 h 33 min 07 s
